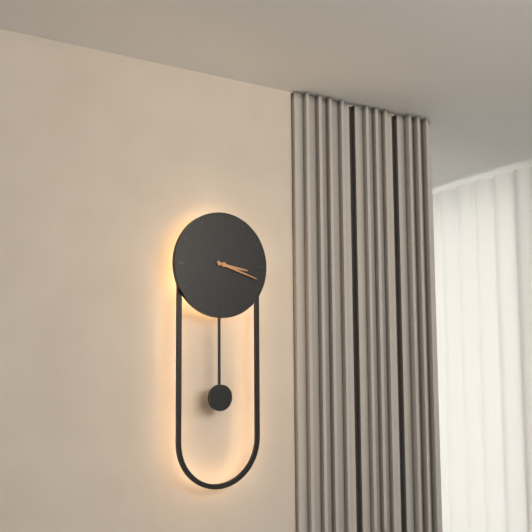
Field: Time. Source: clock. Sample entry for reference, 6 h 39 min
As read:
3 h 18 min
